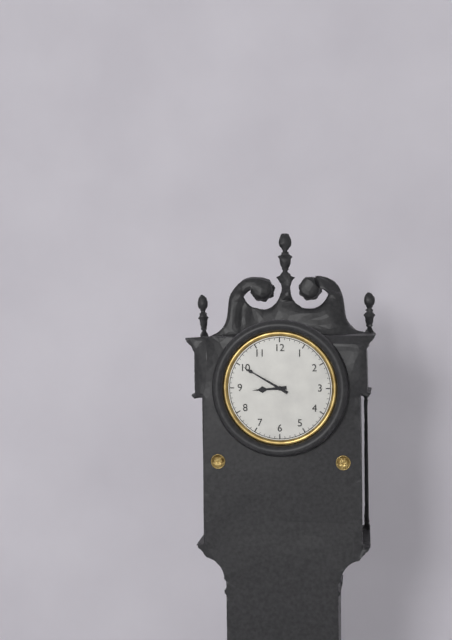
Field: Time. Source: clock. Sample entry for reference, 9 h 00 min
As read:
8 h 50 min
